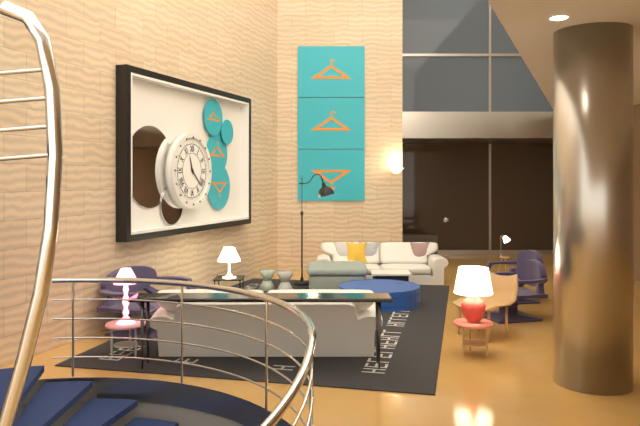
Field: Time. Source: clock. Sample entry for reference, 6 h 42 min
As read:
11 h 22 min
